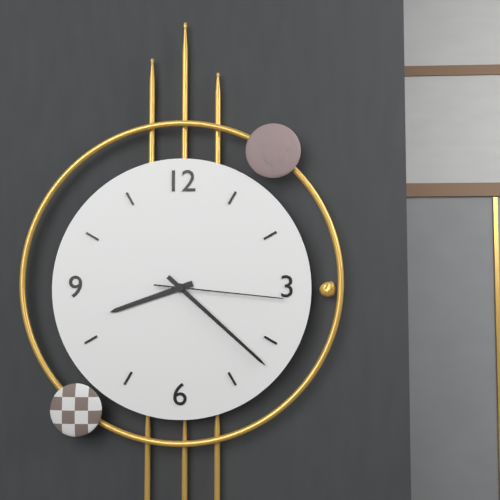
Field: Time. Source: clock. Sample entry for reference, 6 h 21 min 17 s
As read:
8 h 22 min 16 s
